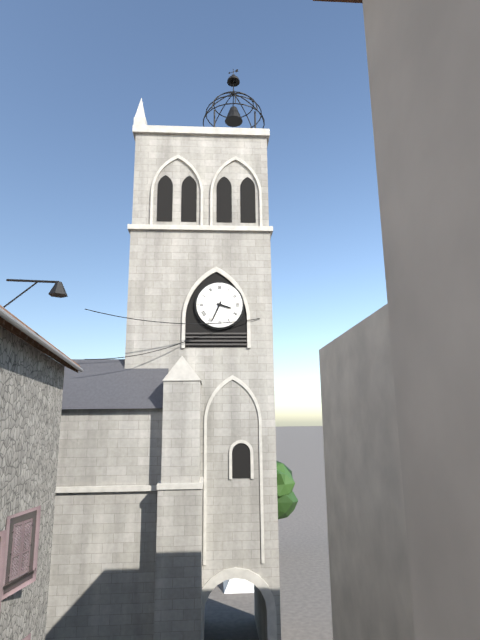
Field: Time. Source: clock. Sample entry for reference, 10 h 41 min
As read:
3 h 34 min
